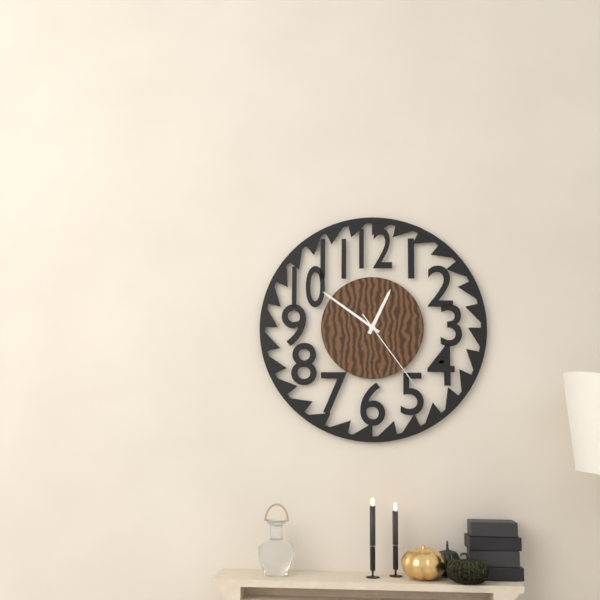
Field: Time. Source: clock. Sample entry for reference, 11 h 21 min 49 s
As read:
12 h 51 min 24 s
